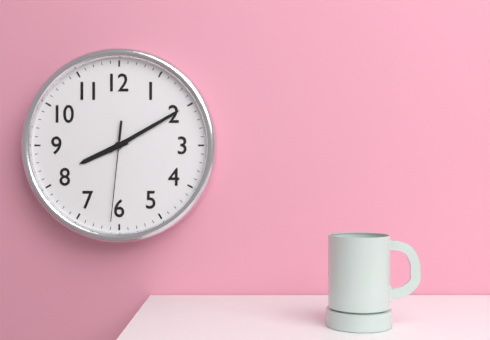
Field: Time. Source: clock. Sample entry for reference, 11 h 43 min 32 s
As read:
8 h 10 min 31 s
